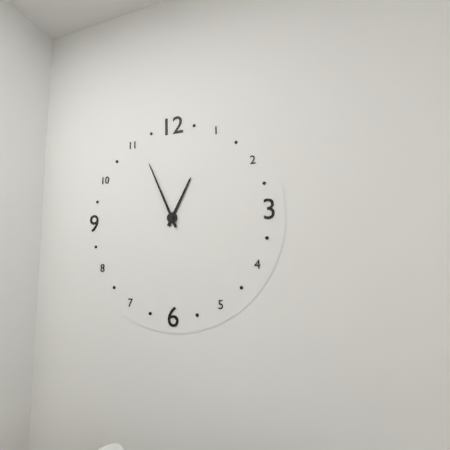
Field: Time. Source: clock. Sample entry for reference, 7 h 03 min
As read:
12 h 56 min
